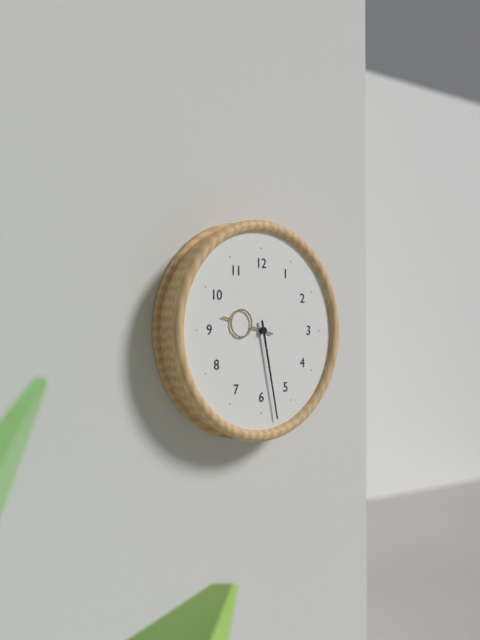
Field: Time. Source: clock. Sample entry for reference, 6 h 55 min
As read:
9 h 28 min
